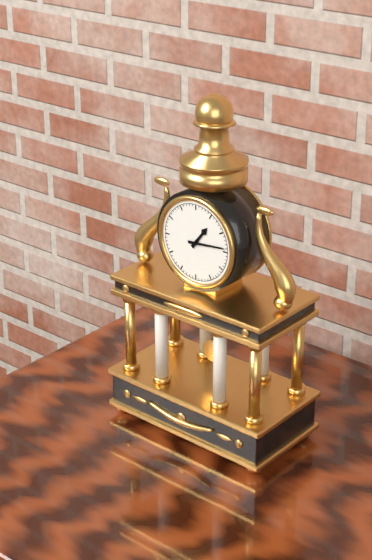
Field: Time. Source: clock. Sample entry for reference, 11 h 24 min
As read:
1 h 14 min
